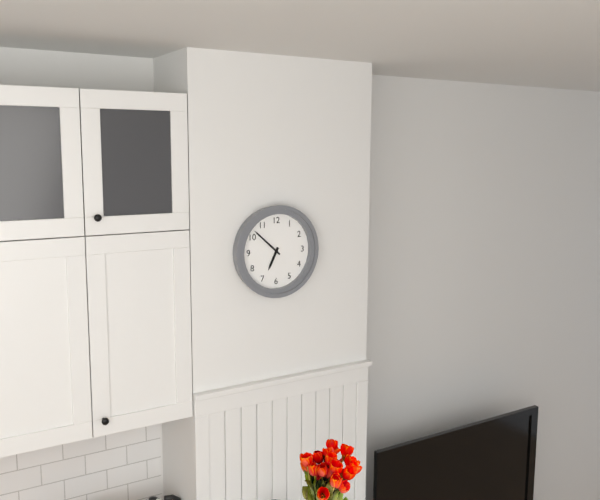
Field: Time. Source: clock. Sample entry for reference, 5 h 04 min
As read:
6 h 52 min
